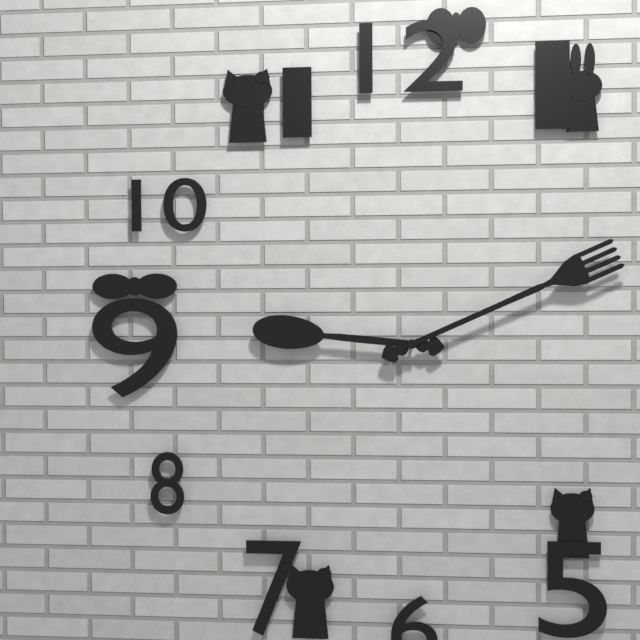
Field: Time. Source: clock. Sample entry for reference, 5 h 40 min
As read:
9 h 11 min
